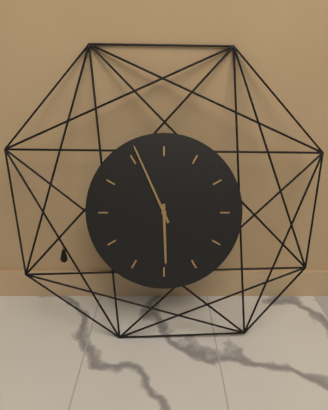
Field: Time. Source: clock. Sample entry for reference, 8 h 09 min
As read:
5 h 56 min
